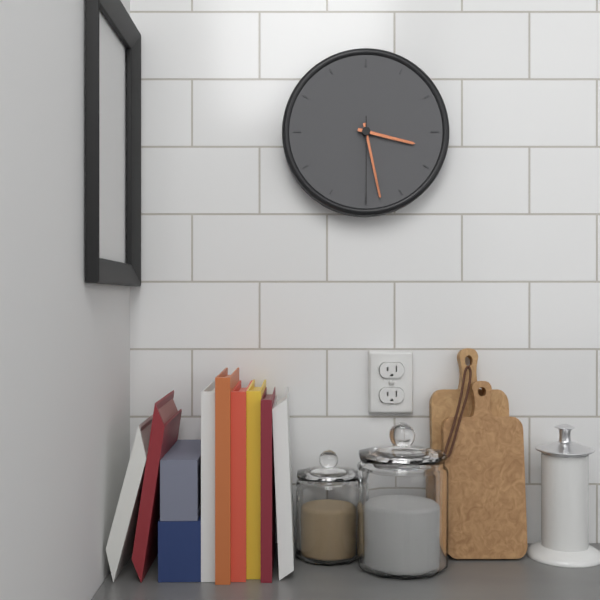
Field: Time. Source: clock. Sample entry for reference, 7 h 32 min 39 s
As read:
3 h 28 min 30 s
